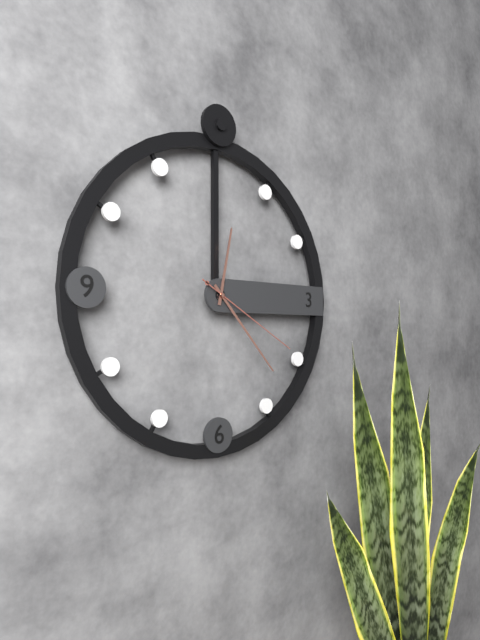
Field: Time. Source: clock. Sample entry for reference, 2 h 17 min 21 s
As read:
12 h 23 min 20 s
